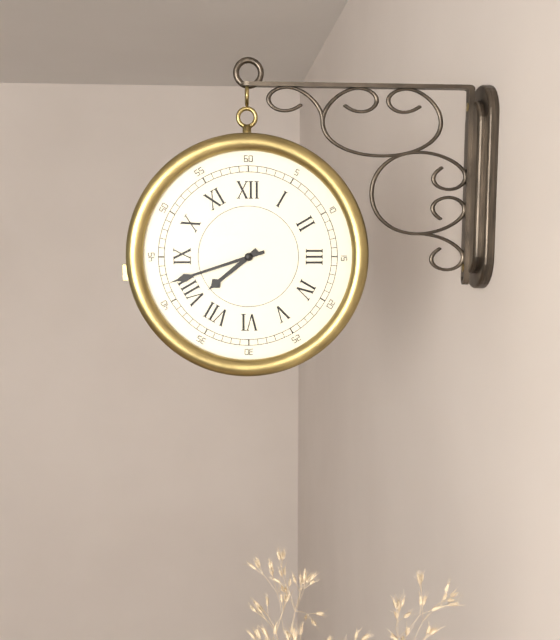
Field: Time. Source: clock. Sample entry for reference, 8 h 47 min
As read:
7 h 42 min
